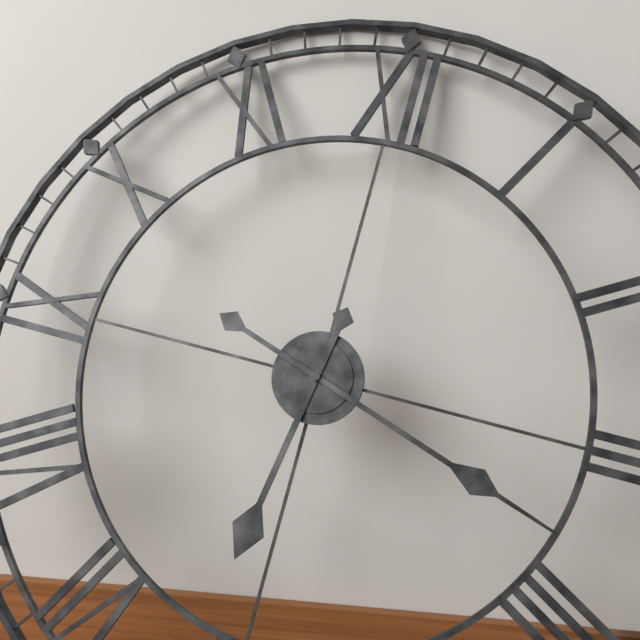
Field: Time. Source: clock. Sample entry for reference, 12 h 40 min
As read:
6 h 18 min
